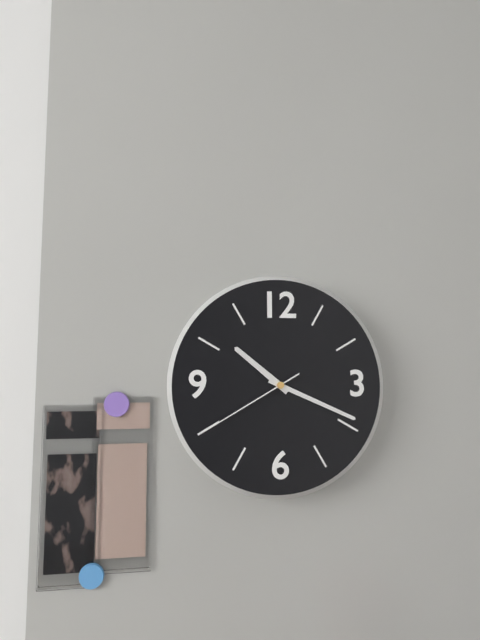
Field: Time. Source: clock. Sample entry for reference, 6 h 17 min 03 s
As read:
10 h 19 min 40 s
